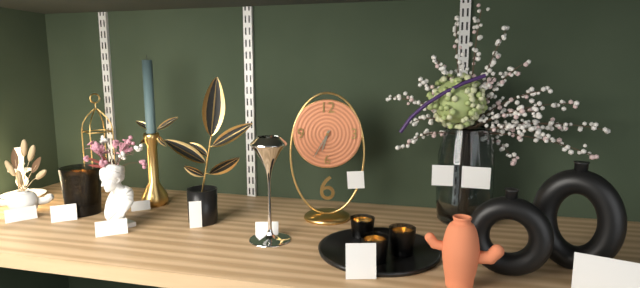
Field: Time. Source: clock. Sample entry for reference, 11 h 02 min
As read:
6 h 35 min
